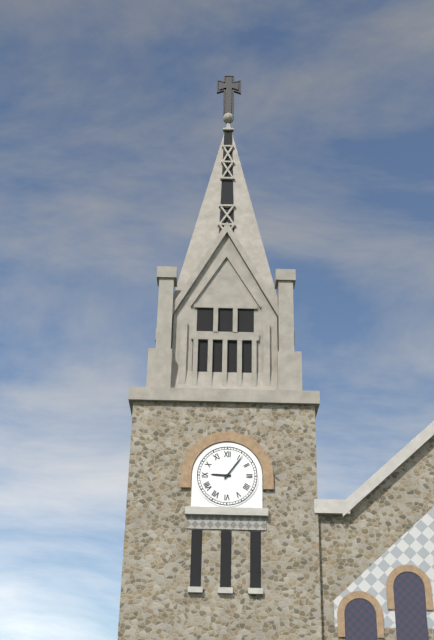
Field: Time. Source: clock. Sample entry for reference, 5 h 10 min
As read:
9 h 06 min
